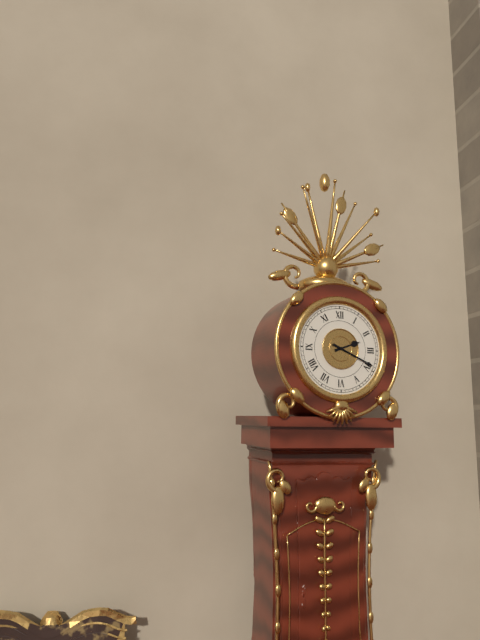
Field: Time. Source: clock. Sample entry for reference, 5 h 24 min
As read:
2 h 19 min
